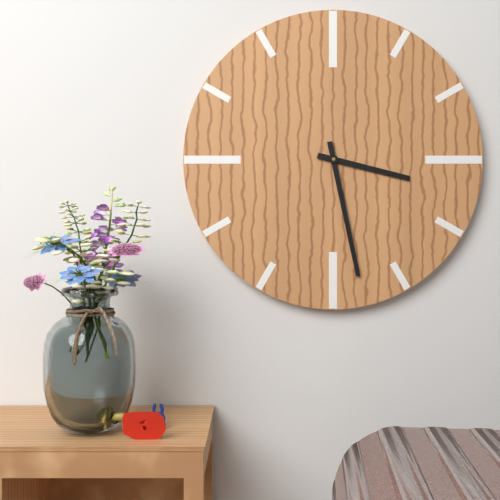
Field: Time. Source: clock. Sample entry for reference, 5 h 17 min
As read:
3 h 28 min
